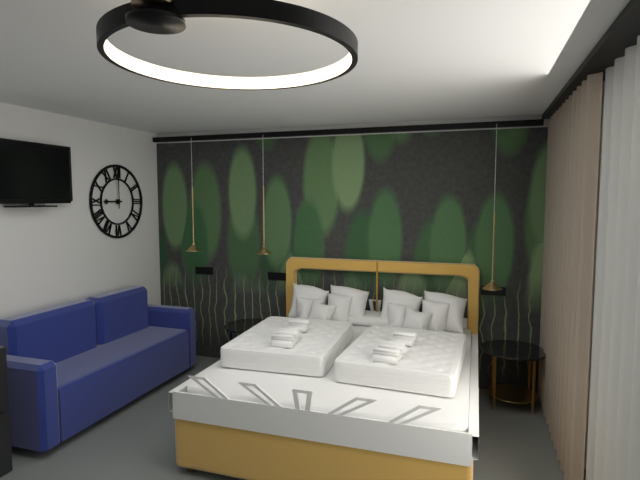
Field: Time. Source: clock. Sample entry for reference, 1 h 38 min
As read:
9 h 00 min
